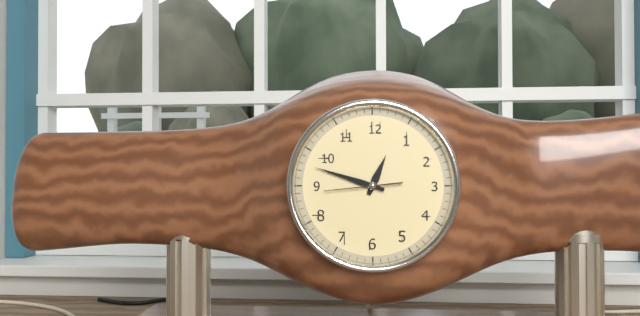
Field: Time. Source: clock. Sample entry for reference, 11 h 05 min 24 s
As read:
12 h 48 min 44 s
